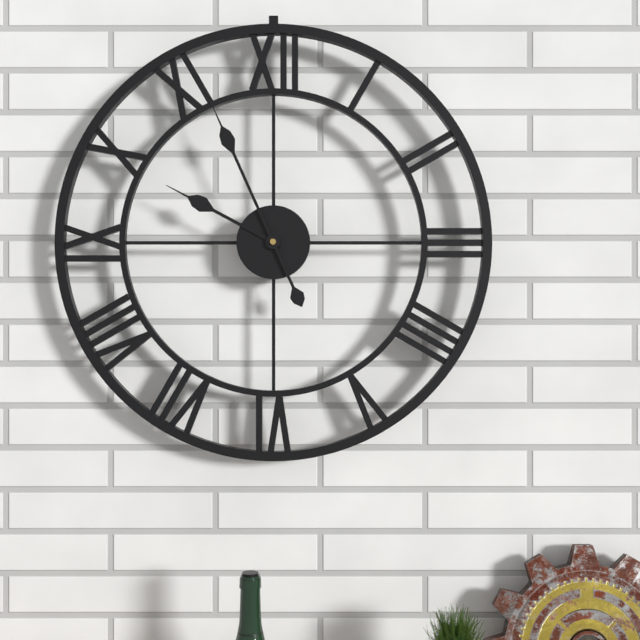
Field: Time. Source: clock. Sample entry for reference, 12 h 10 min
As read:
9 h 56 min
